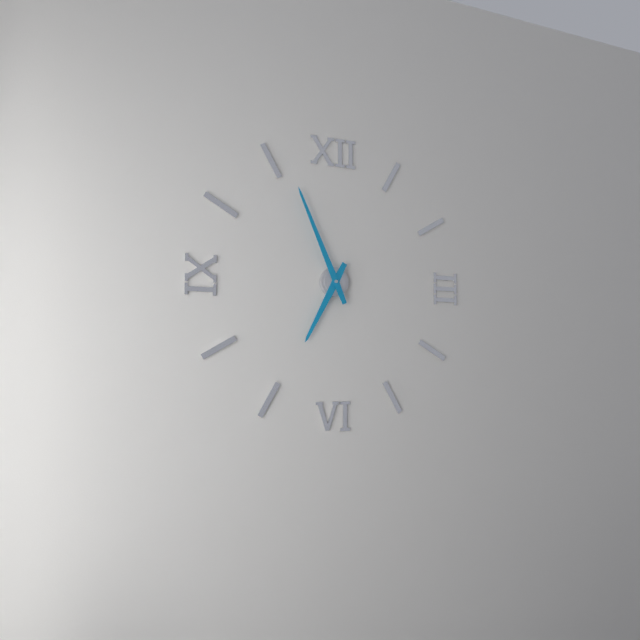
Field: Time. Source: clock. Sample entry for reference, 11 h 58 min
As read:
6 h 56 min
